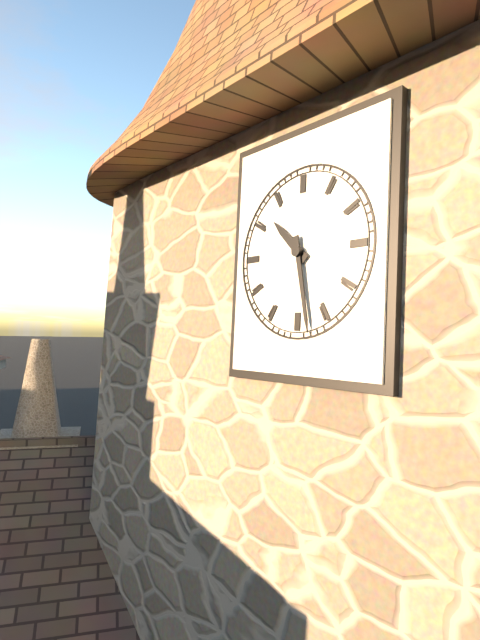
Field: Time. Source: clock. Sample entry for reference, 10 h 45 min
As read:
10 h 28 min
